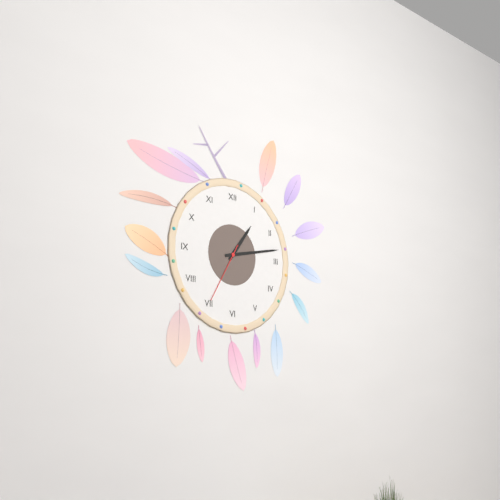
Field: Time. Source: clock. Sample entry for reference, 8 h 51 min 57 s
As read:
1 h 13 min 35 s
